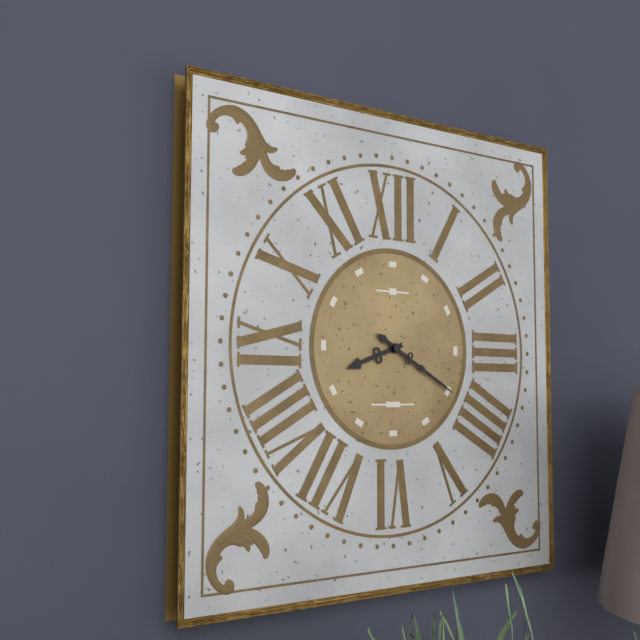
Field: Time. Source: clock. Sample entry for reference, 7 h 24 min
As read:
8 h 20 min
